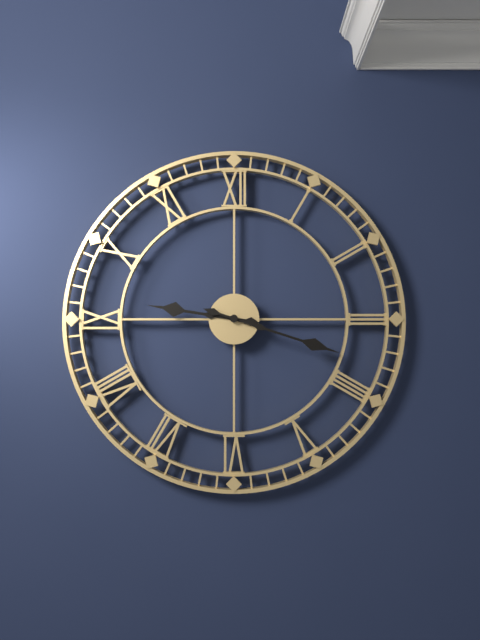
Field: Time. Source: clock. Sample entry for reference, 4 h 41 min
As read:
9 h 18 min
